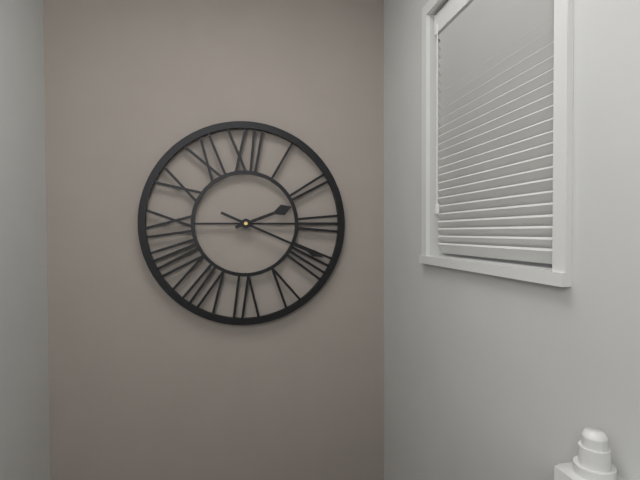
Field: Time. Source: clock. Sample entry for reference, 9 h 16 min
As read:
2 h 19 min
